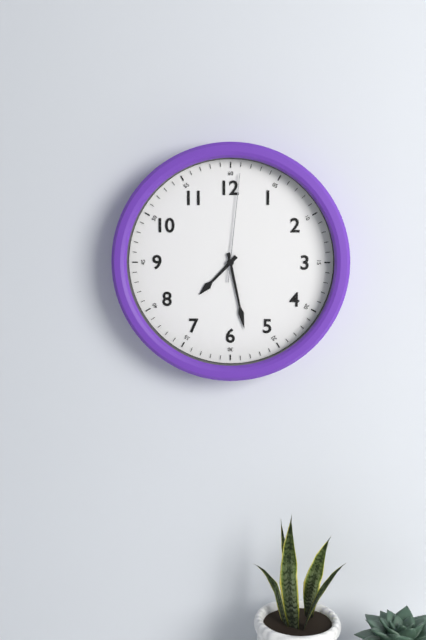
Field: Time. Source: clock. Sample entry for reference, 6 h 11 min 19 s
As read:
7 h 28 min 01 s
